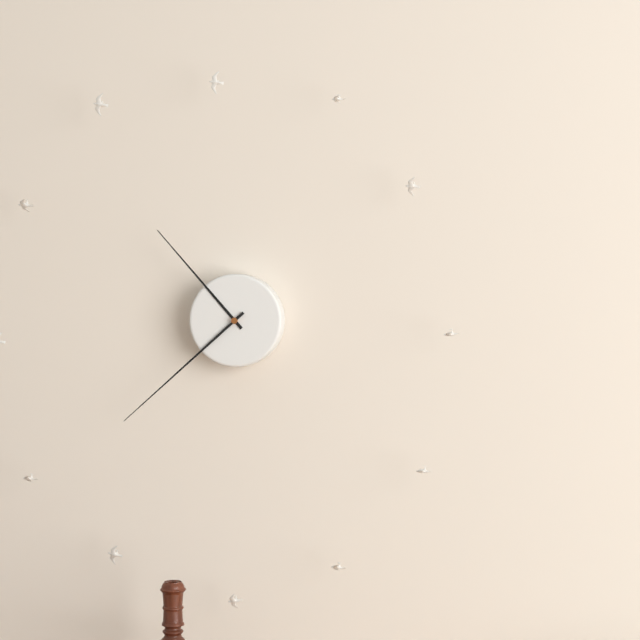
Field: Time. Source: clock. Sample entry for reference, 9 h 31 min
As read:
10 h 38 min
